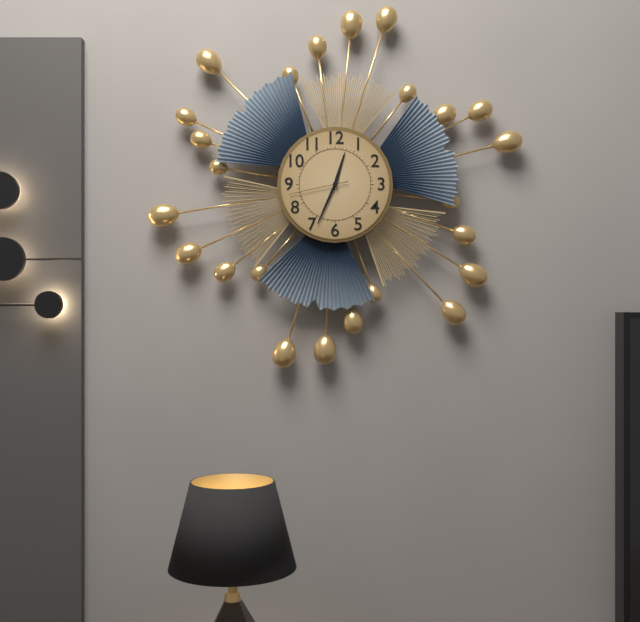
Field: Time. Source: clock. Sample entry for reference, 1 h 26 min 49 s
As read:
12 h 34 min 43 s
